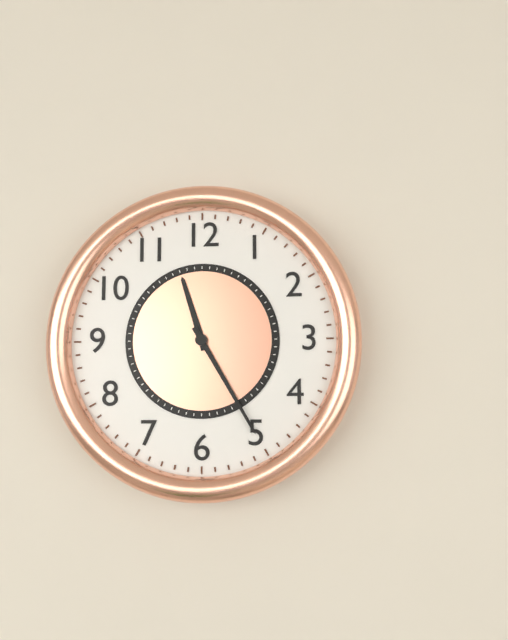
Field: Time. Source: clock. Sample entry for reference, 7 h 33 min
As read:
11 h 25 min
